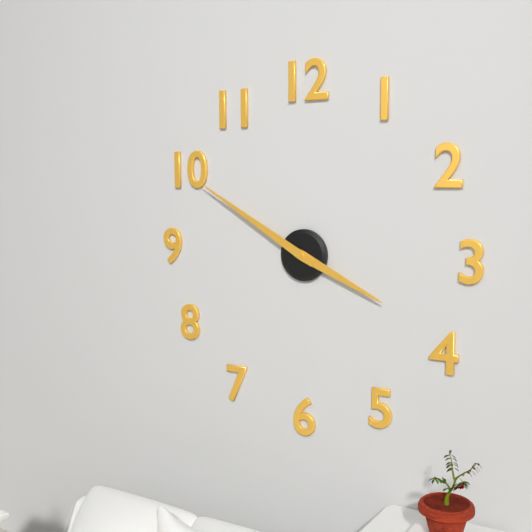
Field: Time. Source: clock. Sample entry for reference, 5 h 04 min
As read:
3 h 50 min
